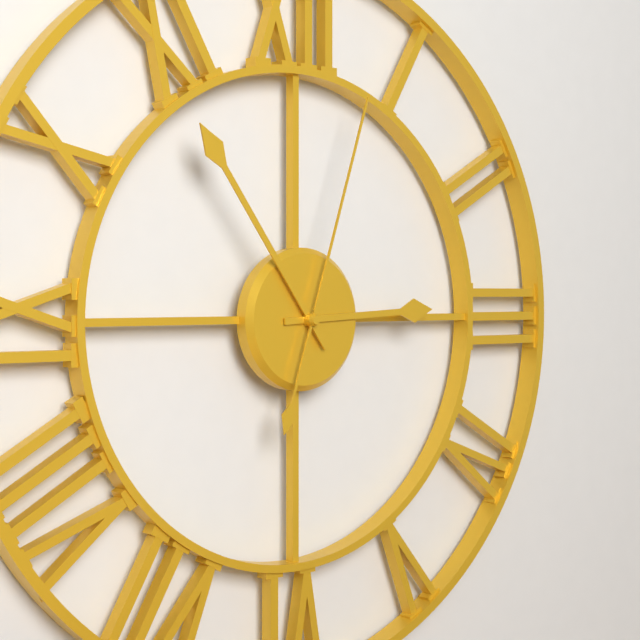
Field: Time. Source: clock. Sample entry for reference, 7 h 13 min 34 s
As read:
2 h 54 min 03 s
